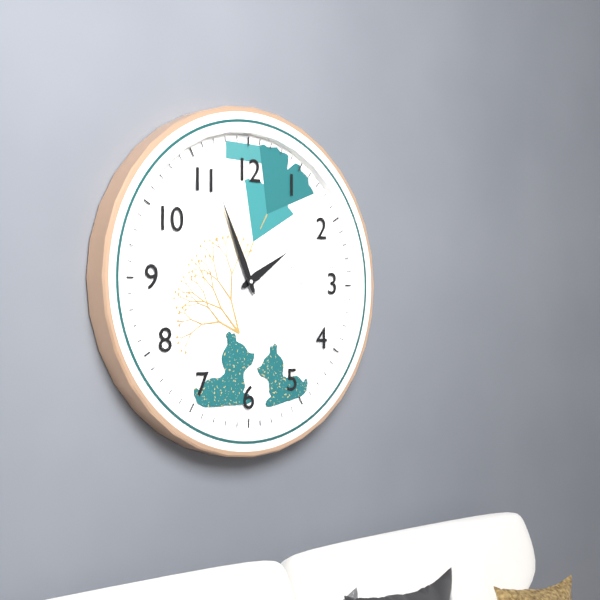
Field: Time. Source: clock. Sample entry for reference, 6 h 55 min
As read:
1 h 56 min
